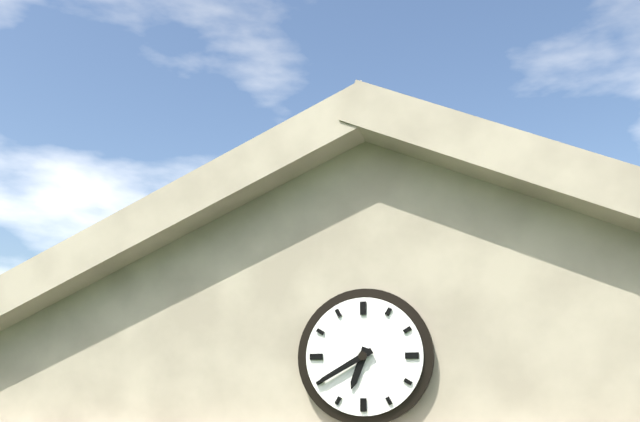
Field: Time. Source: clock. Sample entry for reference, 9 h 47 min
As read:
6 h 40 min
